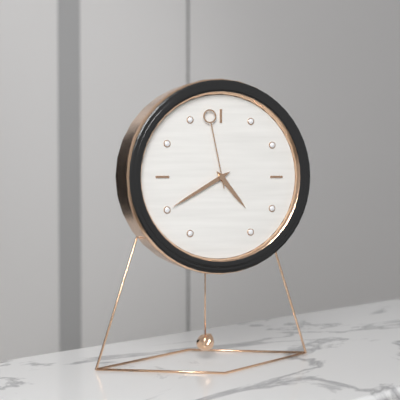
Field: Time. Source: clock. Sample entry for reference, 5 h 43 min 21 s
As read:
4 h 40 min 58 s
